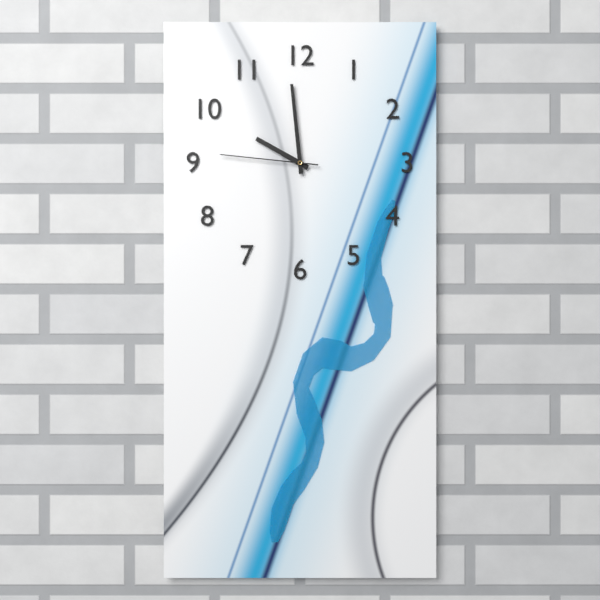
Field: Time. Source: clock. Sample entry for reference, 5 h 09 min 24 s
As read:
9 h 59 min 46 s
